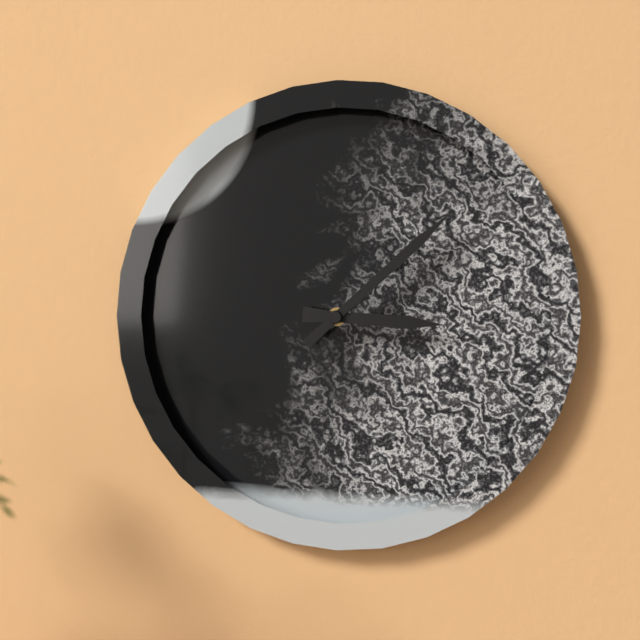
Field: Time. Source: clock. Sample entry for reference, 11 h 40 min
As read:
3 h 08 min
